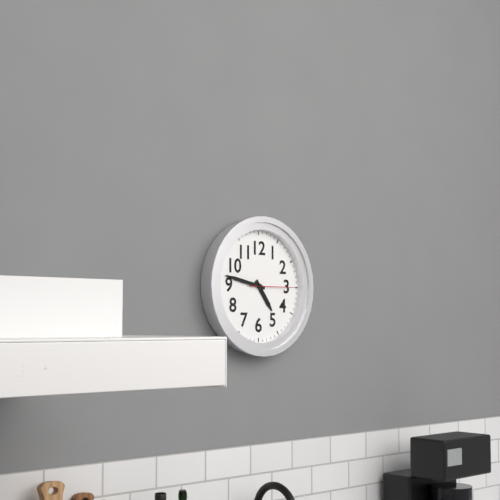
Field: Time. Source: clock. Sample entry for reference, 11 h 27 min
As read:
4 h 47 min
